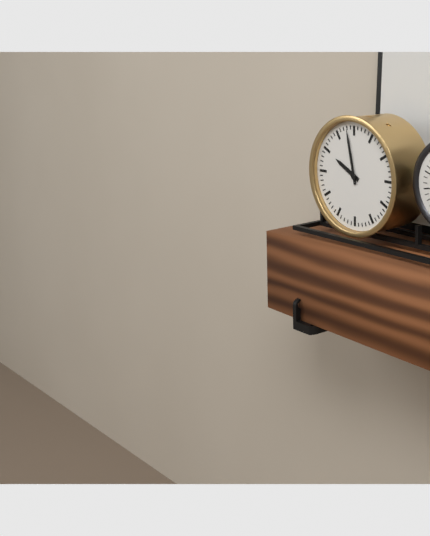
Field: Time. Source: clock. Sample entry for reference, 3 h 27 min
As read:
9 h 58 min
